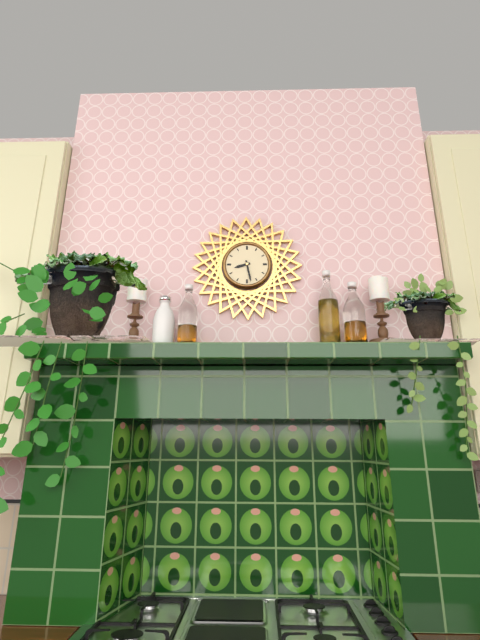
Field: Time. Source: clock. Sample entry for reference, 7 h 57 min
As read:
8 h 28 min
